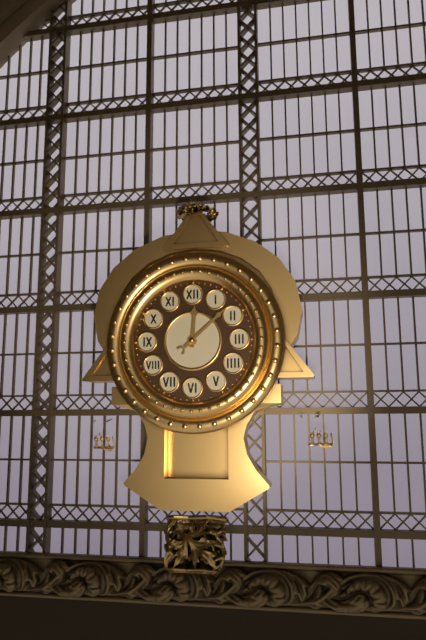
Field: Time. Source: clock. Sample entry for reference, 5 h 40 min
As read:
12 h 08 min
